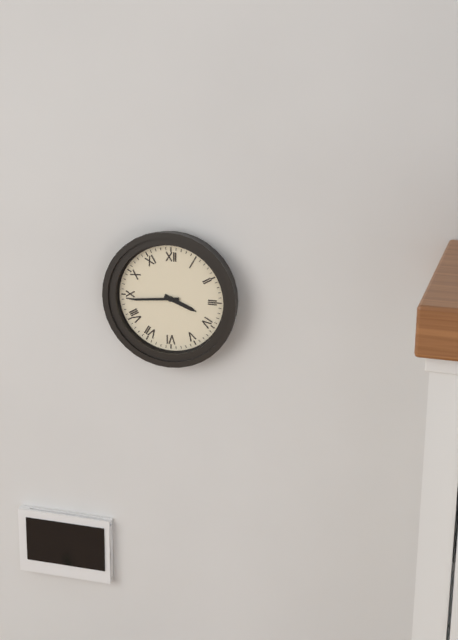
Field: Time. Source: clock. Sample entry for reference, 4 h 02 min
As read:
3 h 44 min
